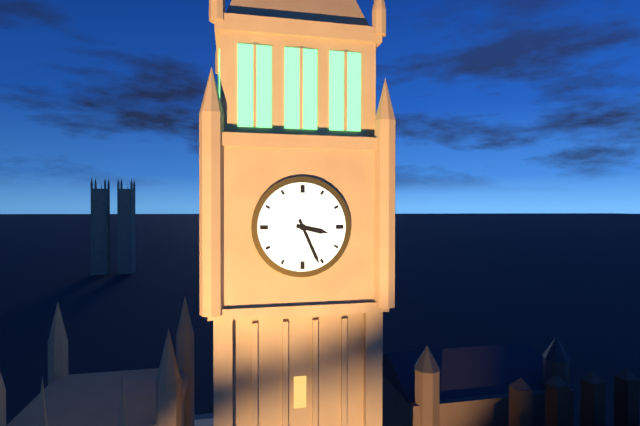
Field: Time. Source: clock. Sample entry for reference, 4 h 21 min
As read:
3 h 26 min
